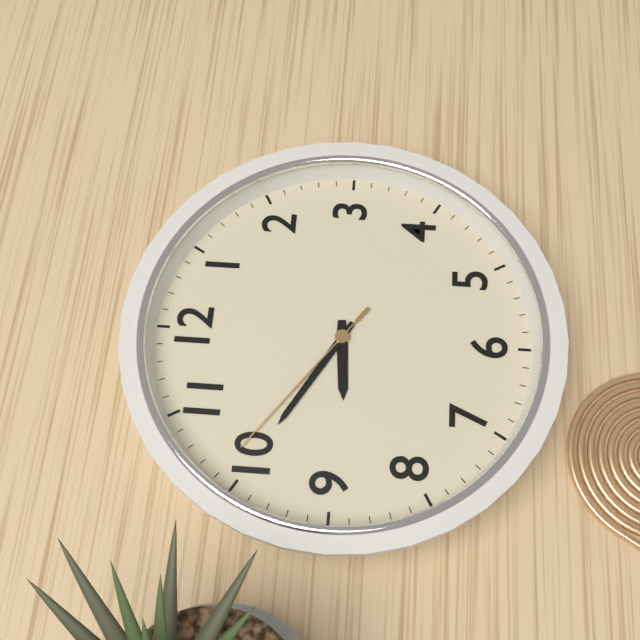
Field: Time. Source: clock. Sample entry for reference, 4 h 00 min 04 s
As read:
8 h 50 min 51 s
